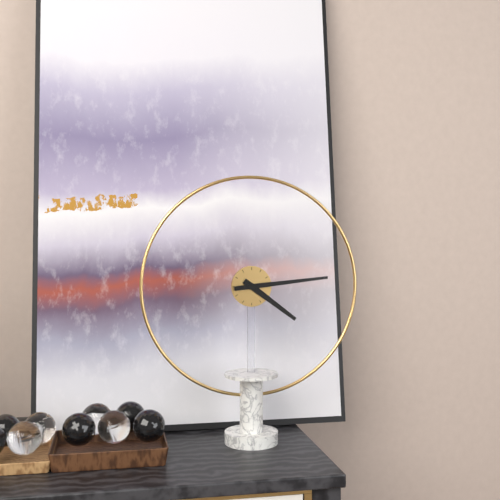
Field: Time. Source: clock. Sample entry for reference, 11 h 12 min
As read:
4 h 14 min
